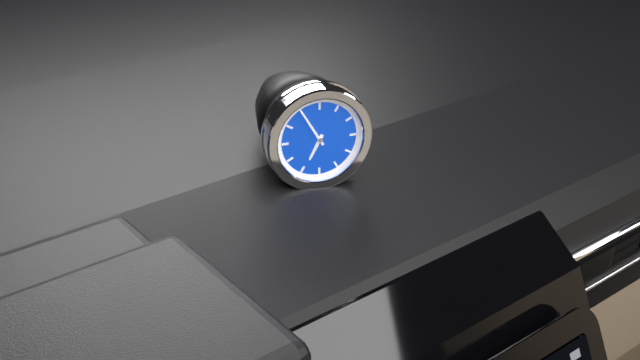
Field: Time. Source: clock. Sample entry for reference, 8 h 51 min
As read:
6 h 55 min
